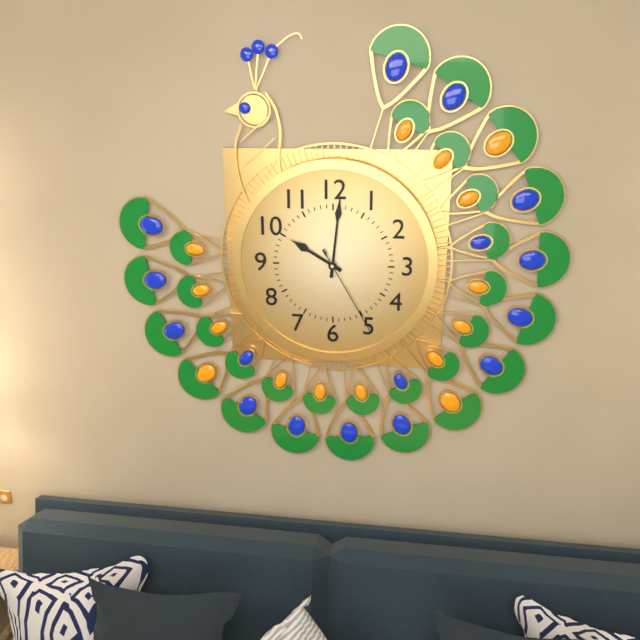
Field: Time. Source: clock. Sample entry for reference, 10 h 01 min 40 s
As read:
10 h 01 min 25 s
